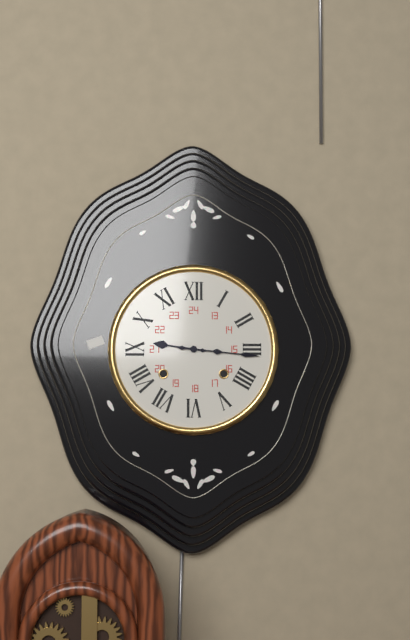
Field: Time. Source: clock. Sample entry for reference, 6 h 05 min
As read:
9 h 16 min
